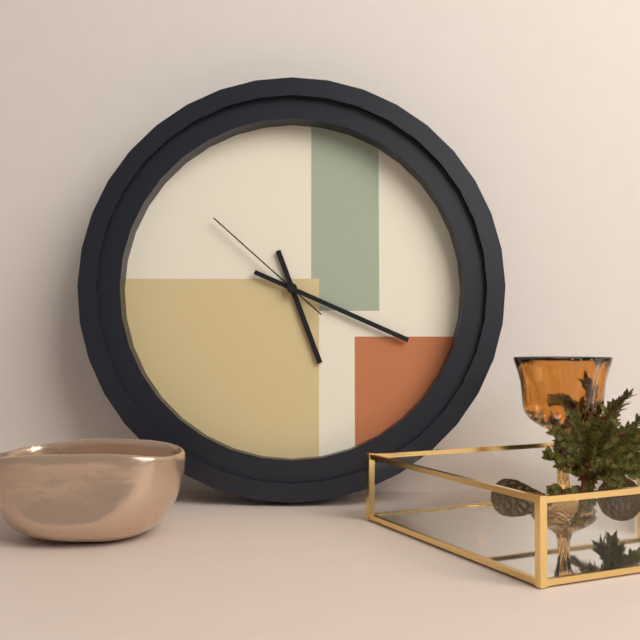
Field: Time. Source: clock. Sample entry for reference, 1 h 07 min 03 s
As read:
5 h 19 min 52 s
